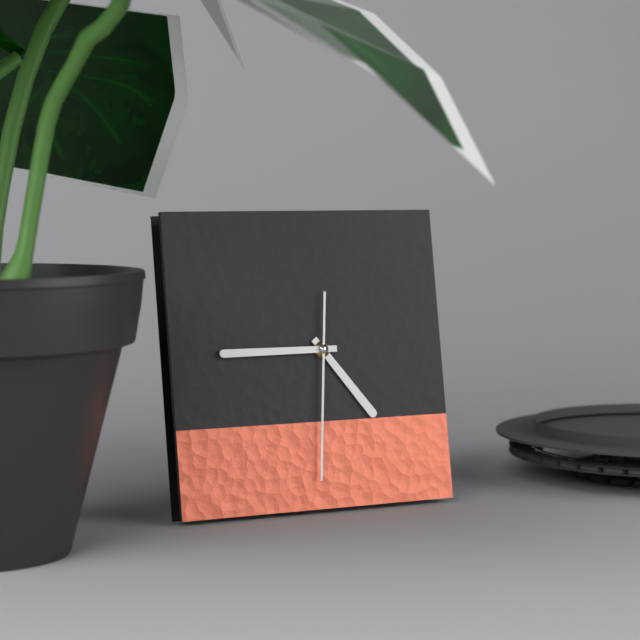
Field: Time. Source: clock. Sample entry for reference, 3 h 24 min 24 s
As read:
4 h 45 min 31 s
